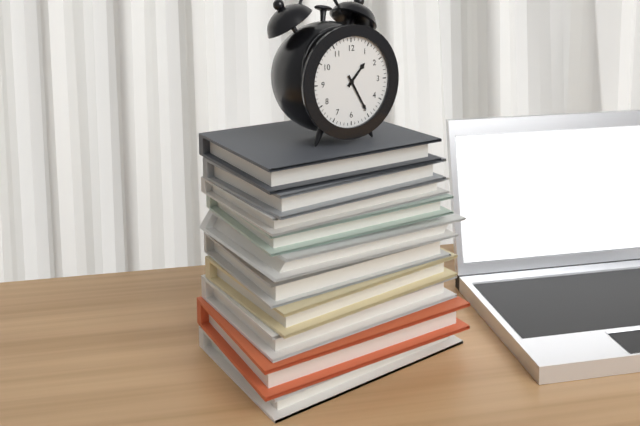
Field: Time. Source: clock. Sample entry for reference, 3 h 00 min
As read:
1 h 25 min
